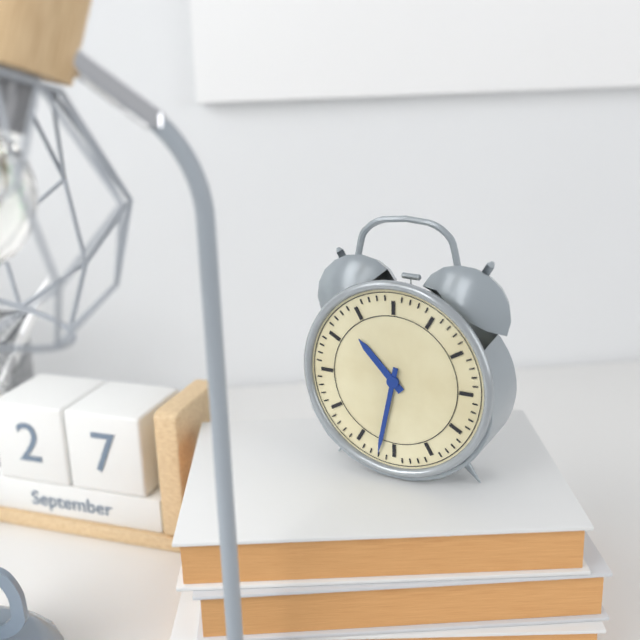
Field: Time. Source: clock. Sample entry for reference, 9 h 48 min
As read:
10 h 32 min
